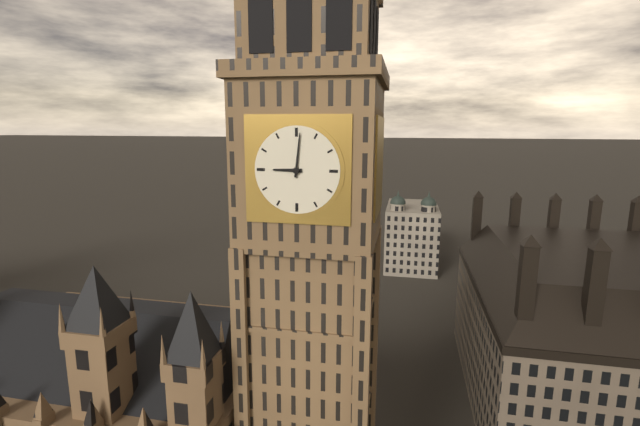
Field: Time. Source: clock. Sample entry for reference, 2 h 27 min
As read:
9 h 01 min
